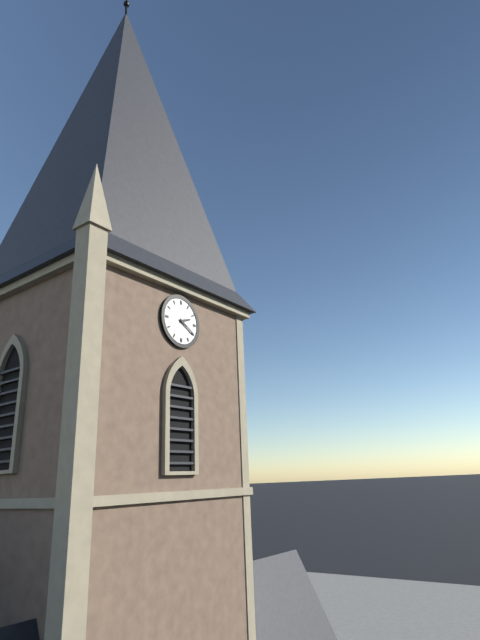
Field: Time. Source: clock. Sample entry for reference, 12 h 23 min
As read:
2 h 20 min
